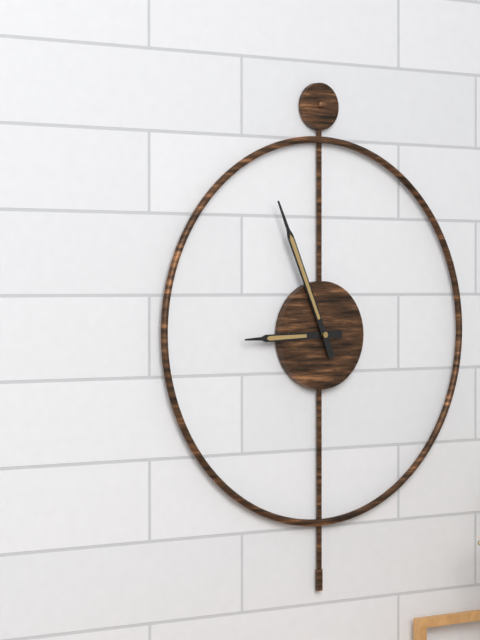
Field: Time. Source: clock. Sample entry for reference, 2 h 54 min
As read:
8 h 56 min
